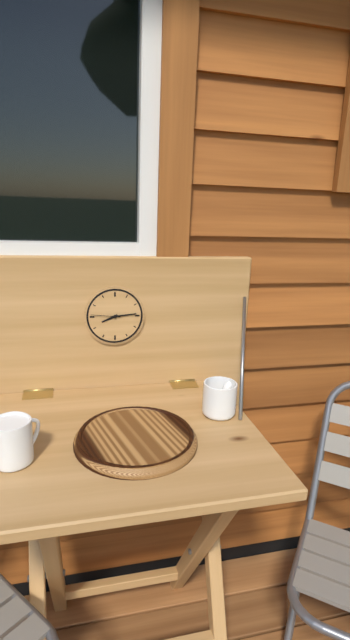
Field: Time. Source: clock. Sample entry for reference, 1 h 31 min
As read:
8 h 14 min
